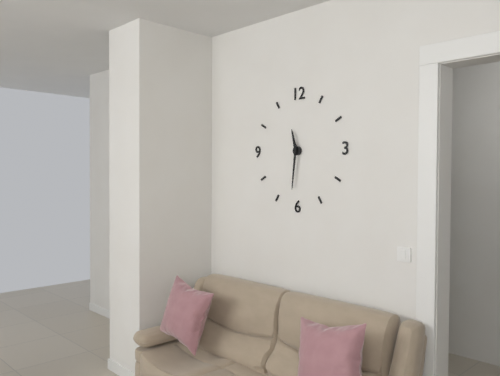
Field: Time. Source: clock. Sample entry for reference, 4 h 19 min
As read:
11 h 31 min
